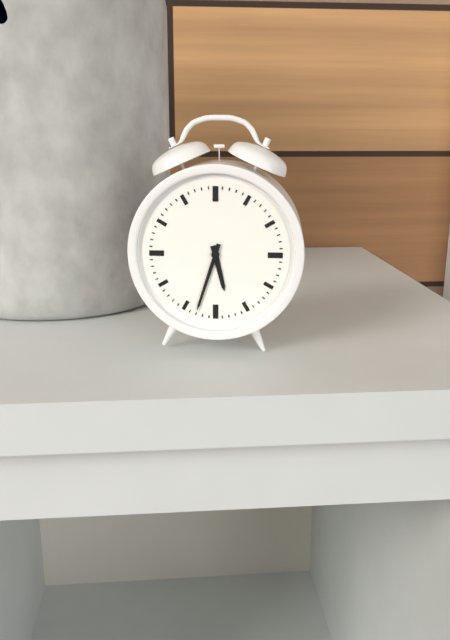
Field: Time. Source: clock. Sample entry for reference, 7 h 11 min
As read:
5 h 33 min
